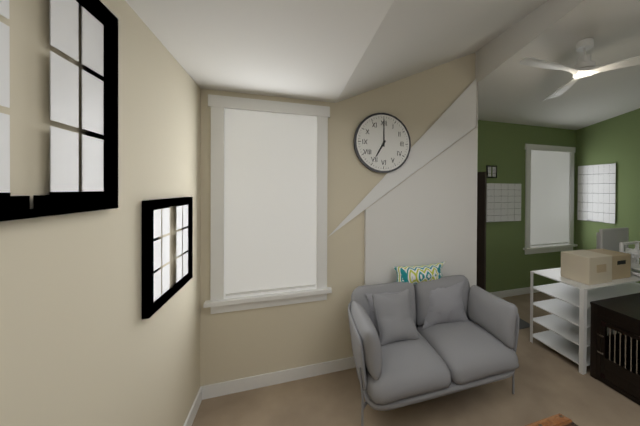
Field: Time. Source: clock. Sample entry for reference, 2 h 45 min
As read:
7 h 00 min
